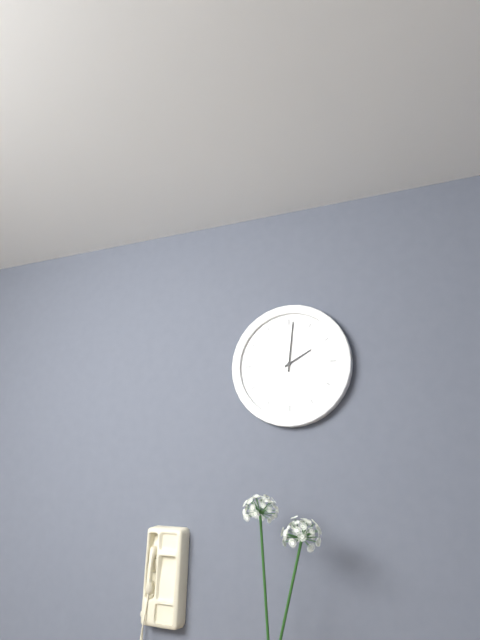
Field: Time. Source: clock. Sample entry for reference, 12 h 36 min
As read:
2 h 01 min
